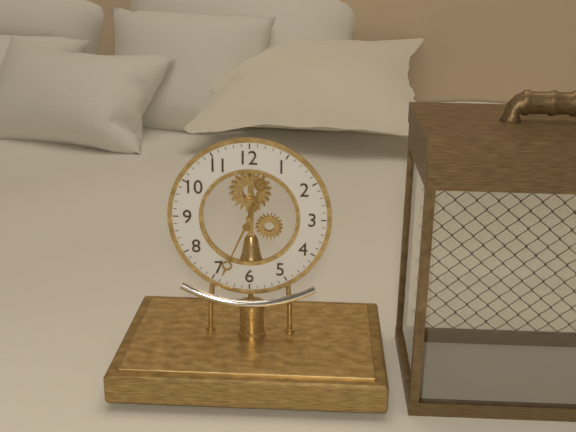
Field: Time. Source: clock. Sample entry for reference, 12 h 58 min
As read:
12 h 34 min
